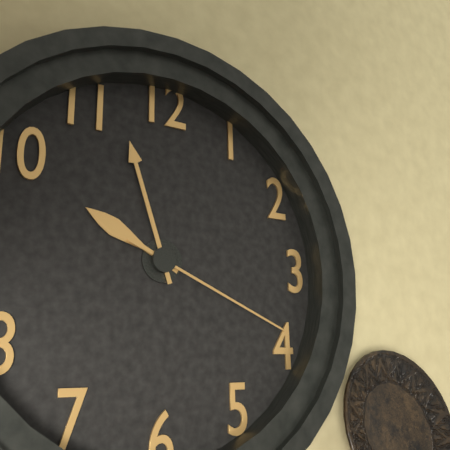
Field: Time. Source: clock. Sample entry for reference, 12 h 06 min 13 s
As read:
9 h 57 min 19 s
